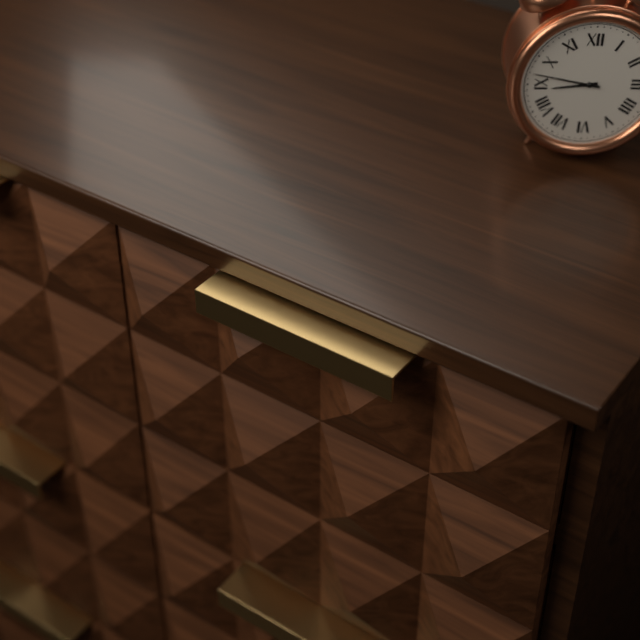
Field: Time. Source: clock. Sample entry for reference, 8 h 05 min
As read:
8 h 47 min
